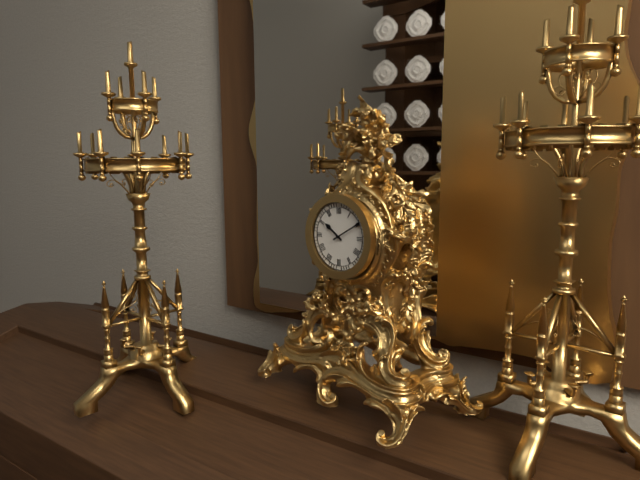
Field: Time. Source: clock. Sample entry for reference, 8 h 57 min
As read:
10 h 10 min
